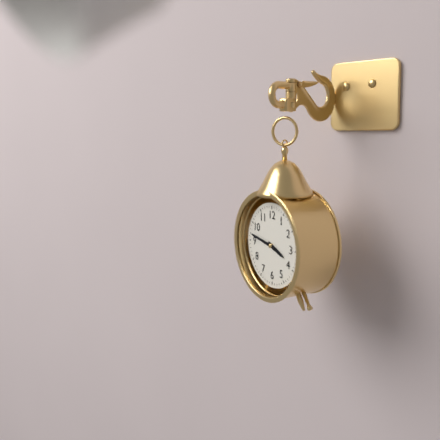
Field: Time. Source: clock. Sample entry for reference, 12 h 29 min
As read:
3 h 47 min
